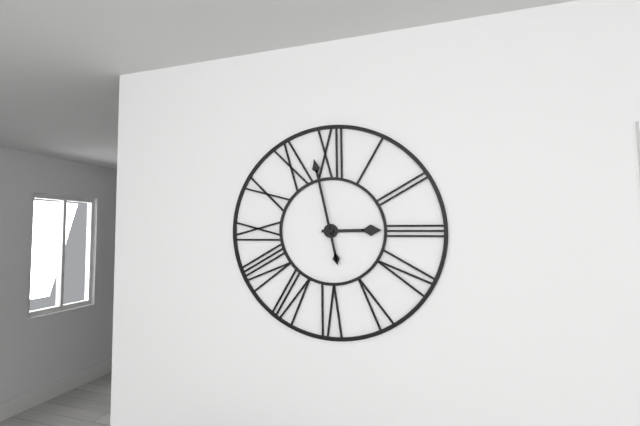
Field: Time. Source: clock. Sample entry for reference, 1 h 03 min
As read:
2 h 58 min
